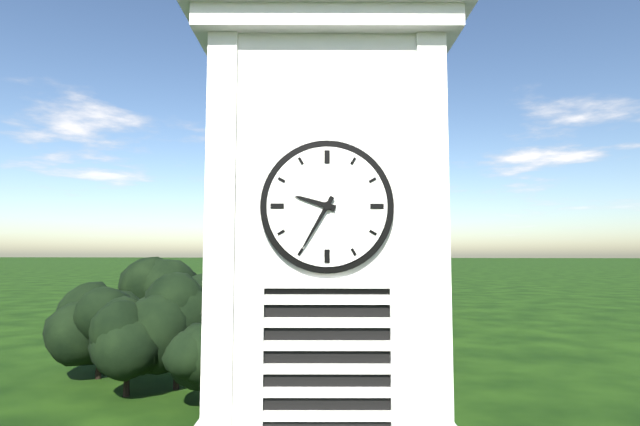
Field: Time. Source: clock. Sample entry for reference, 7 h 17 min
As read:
9 h 35 min
